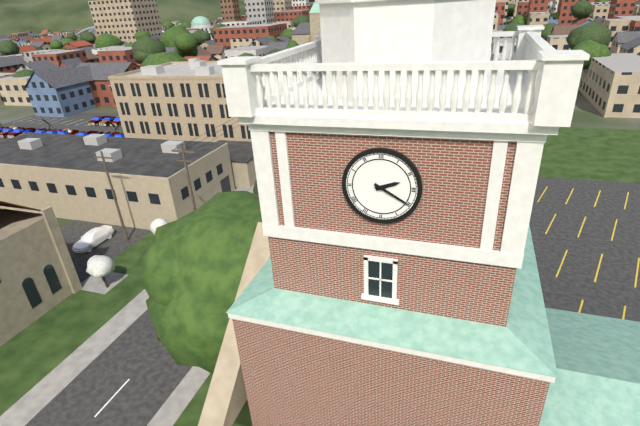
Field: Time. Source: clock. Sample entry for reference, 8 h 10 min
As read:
2 h 20 min
